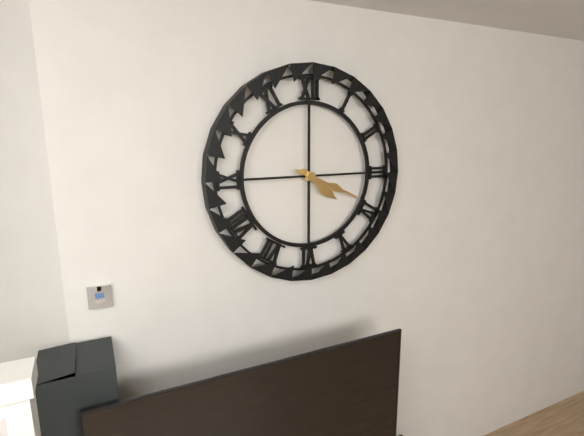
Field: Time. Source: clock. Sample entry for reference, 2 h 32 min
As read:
4 h 19 min
